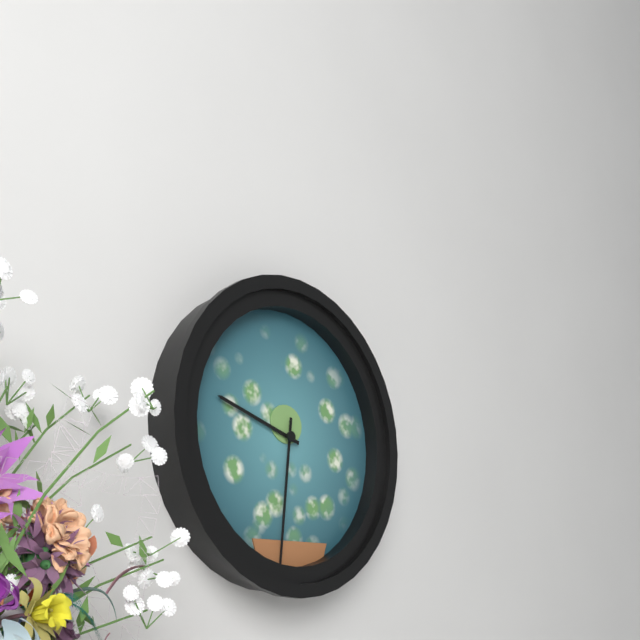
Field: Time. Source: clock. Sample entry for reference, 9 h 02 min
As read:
9 h 31 min
